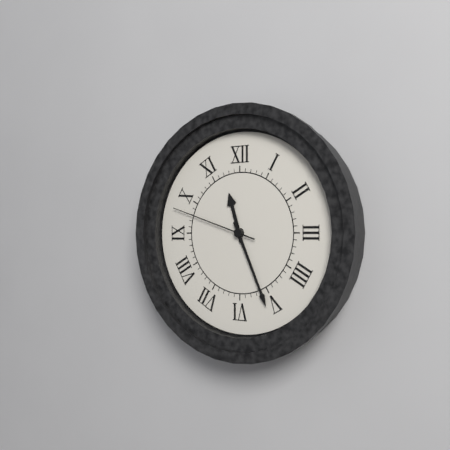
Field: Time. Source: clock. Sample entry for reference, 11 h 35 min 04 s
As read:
11 h 26 min 48 s
